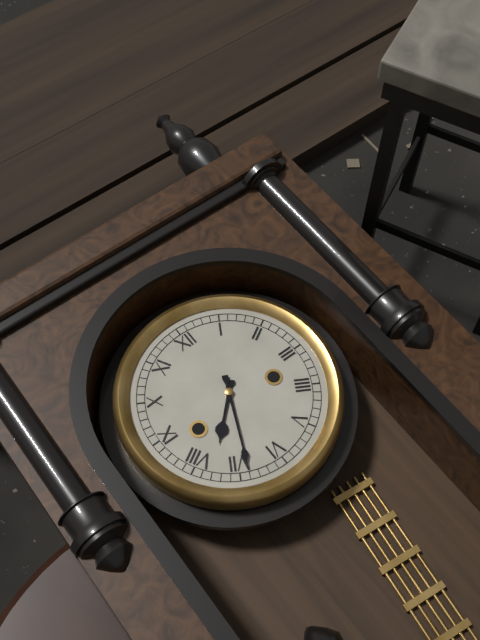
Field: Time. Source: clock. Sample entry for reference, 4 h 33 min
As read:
7 h 34 min
